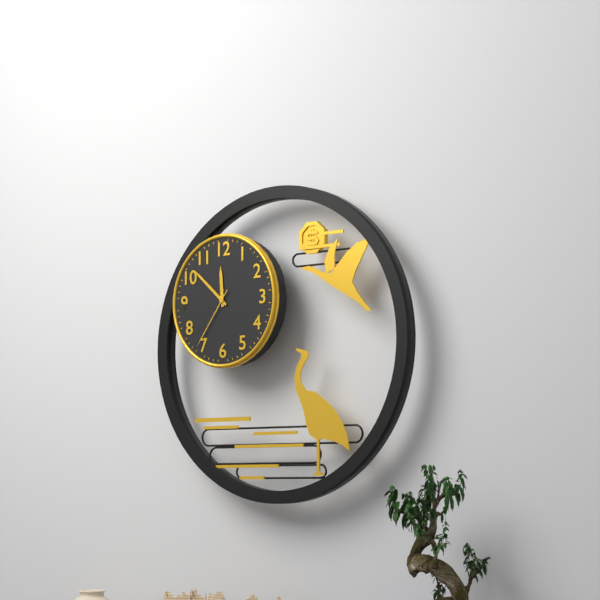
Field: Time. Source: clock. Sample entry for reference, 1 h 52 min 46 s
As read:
11 h 52 min 36 s
